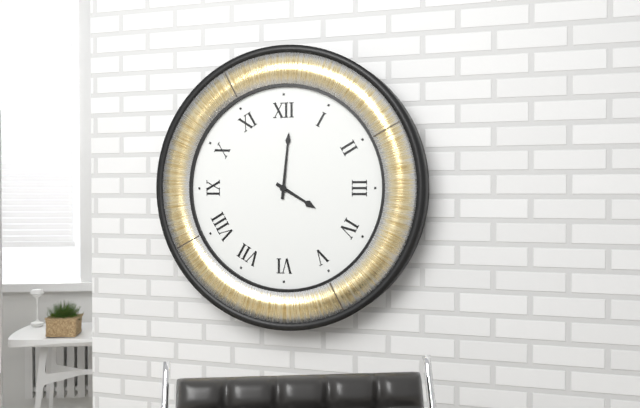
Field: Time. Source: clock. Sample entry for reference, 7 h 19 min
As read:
4 h 01 min
